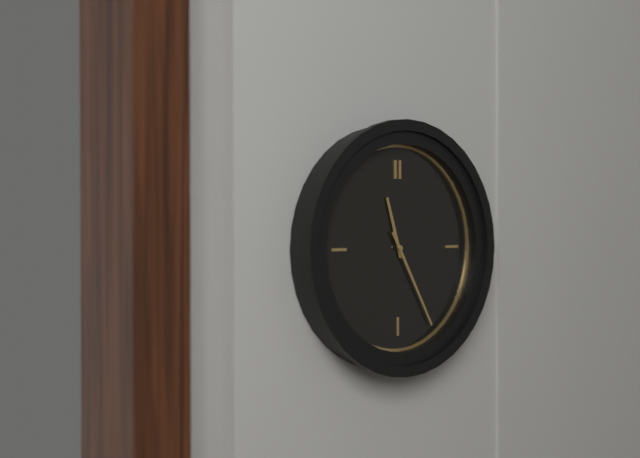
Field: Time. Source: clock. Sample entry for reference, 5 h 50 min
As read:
11 h 25 min
